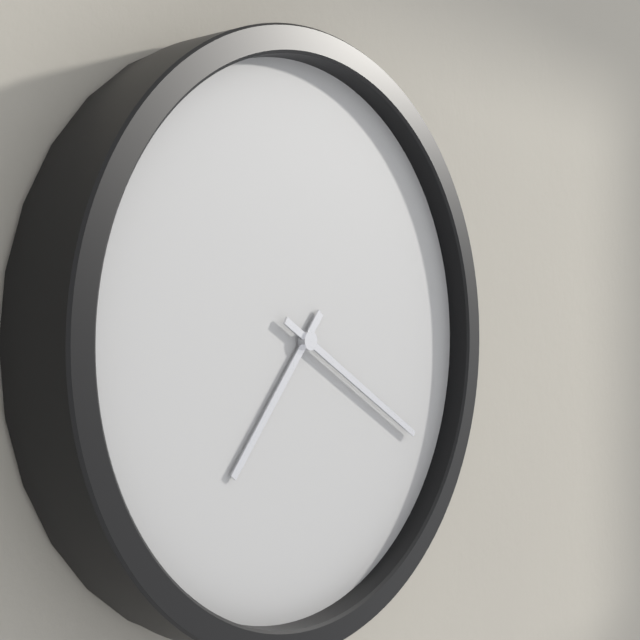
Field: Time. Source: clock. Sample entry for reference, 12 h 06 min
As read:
7 h 20 min
